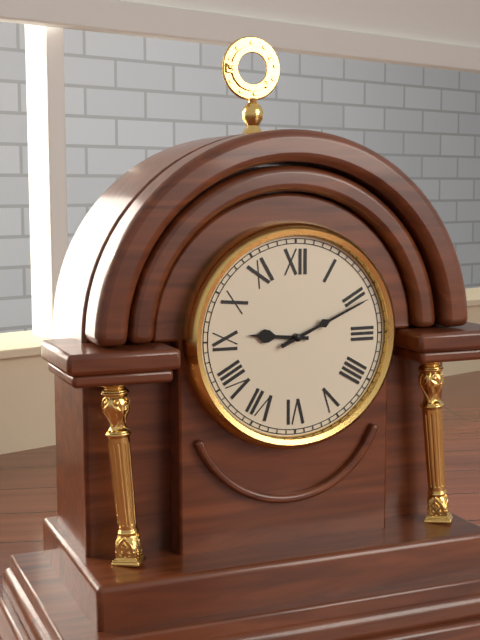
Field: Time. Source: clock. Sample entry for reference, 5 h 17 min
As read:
9 h 11 min
